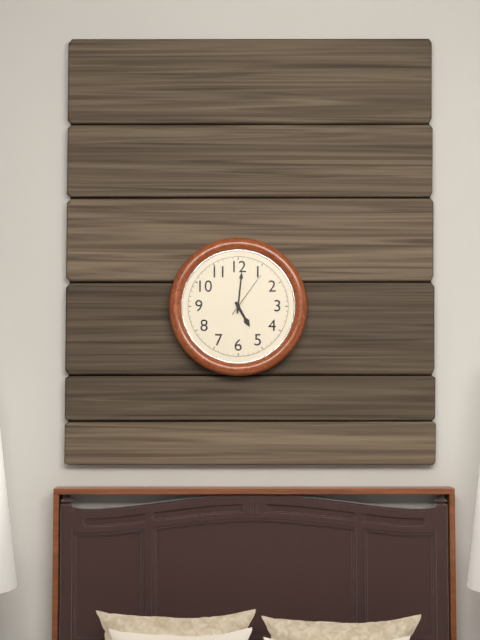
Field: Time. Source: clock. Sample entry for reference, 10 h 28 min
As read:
5 h 01 min
